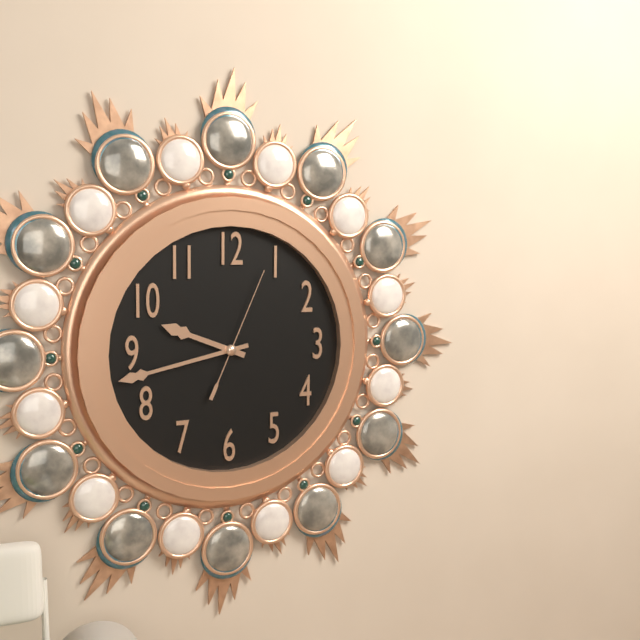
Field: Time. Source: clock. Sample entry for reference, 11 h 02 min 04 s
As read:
9 h 43 min 04 s
